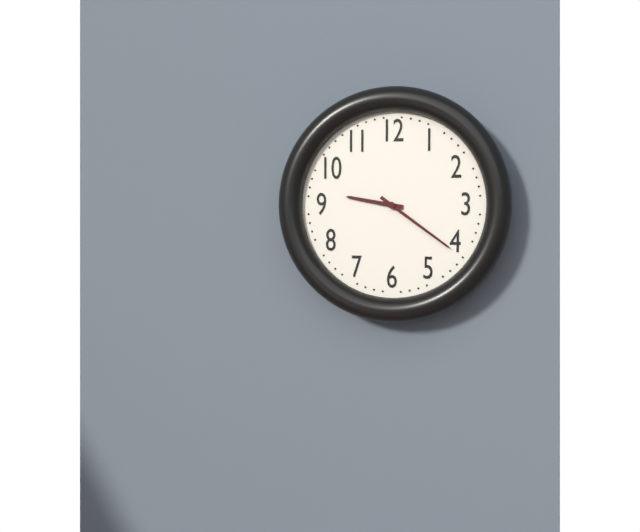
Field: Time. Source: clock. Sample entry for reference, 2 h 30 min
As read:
9 h 21 min
